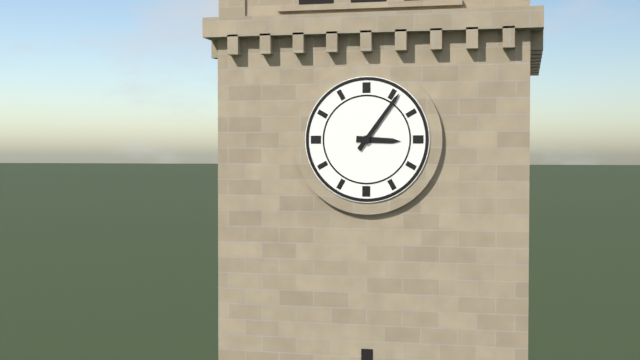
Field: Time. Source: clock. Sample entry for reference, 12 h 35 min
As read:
3 h 06 min
